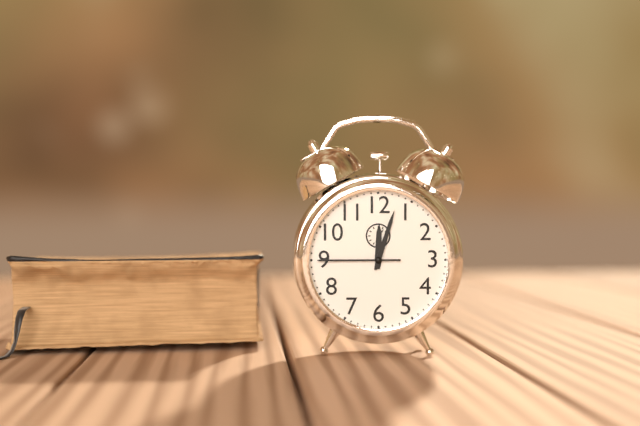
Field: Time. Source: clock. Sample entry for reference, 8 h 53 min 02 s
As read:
12 h 03 min 45 s
